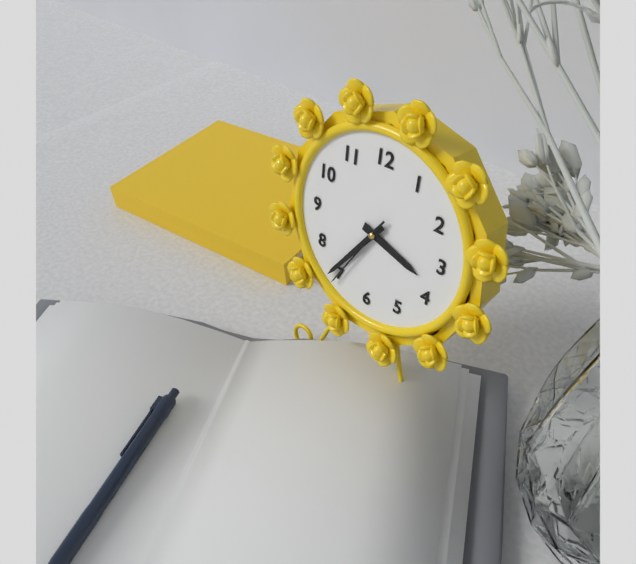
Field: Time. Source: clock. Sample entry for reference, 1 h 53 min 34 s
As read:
3 h 36 min 35 s
